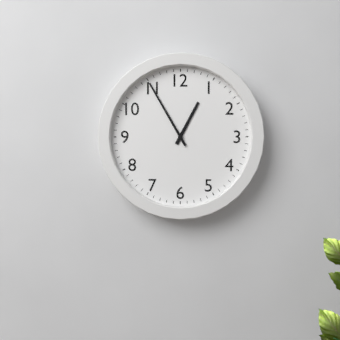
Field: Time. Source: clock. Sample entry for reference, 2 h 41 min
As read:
12 h 55 min
